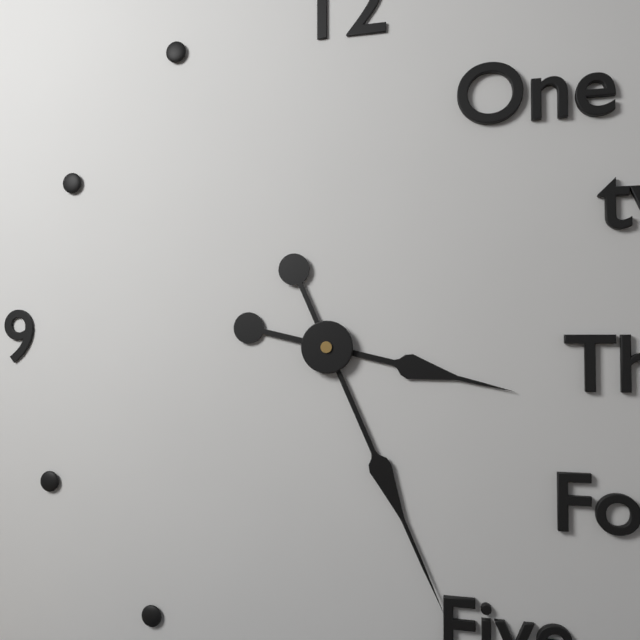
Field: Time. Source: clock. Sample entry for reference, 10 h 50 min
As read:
3 h 26 min
